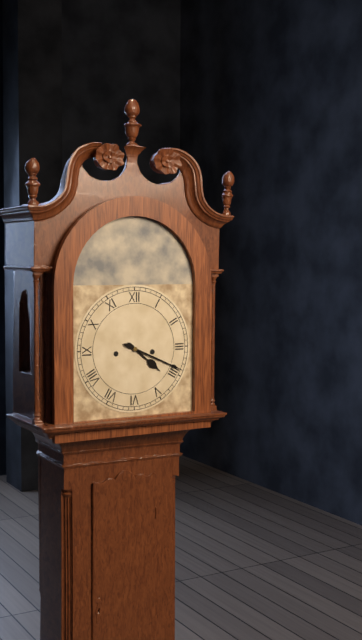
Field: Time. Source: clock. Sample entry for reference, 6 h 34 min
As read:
4 h 19 min
